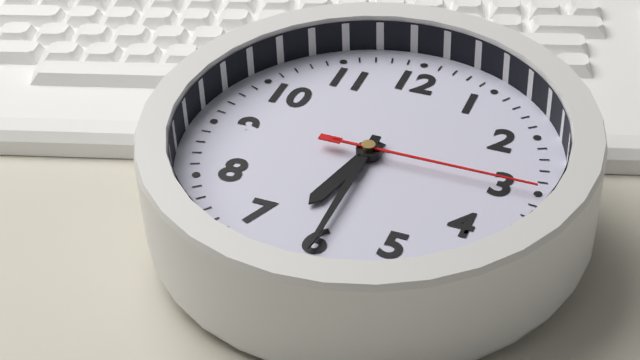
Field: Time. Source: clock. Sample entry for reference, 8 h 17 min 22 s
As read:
6 h 30 min 15 s
